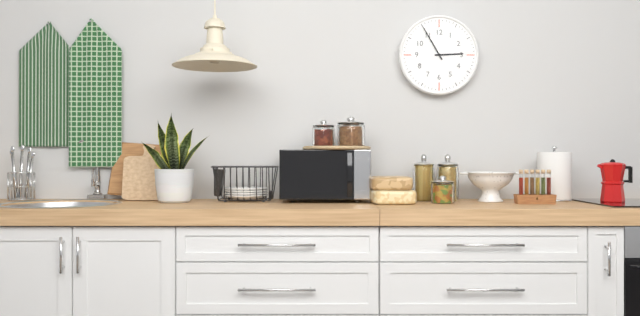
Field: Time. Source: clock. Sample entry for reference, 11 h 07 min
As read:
2 h 55 min
